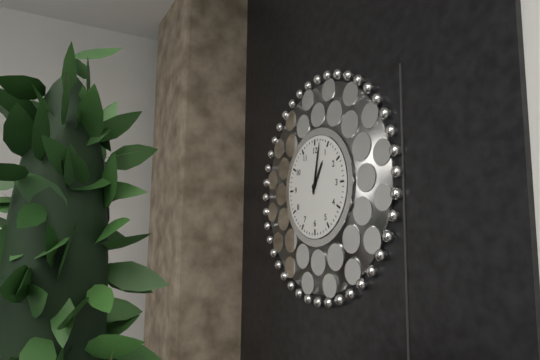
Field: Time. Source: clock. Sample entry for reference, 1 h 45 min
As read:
1 h 02 min
